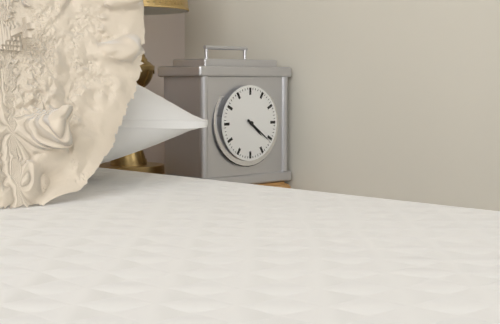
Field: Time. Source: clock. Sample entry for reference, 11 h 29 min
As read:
4 h 21 min
